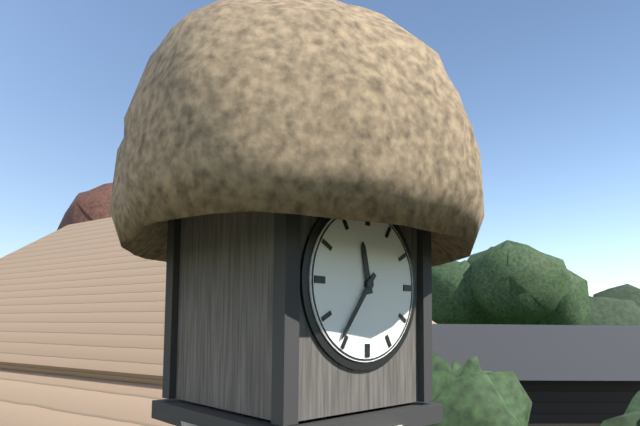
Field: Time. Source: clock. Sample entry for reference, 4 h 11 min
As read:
11 h 36 min
